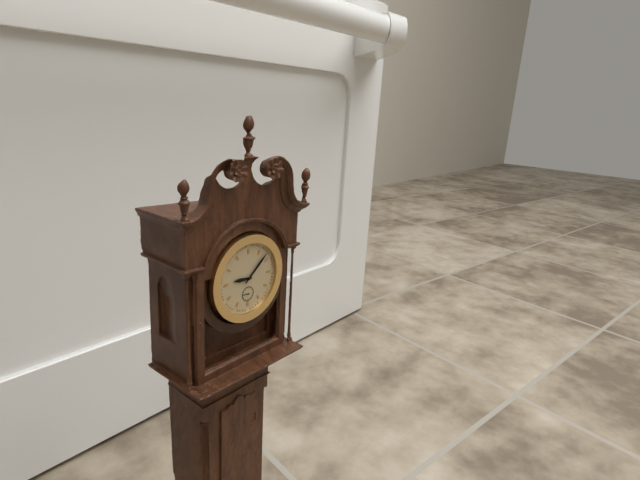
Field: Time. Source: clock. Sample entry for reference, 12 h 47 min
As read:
9 h 08 min
